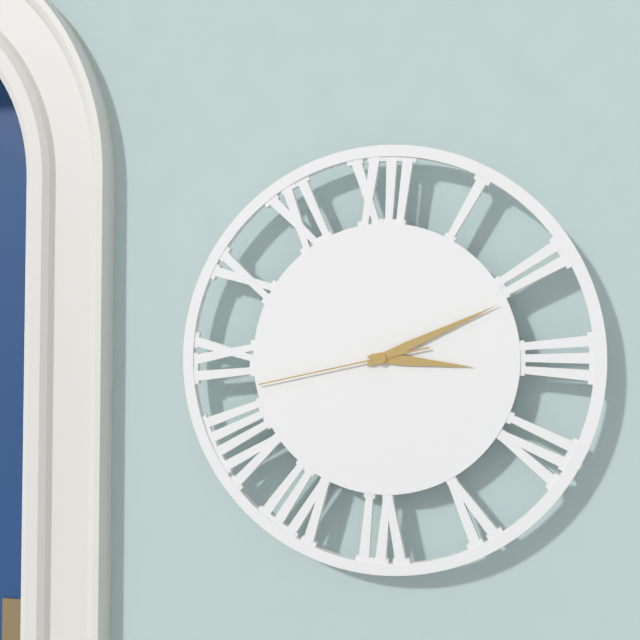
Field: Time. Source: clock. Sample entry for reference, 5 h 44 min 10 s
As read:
3 h 11 min 43 s
